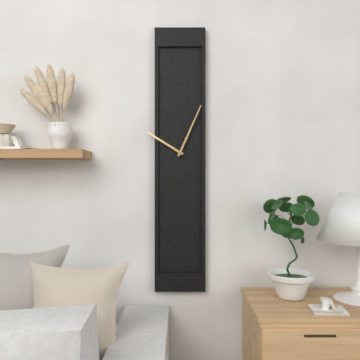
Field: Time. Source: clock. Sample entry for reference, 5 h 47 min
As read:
10 h 04 min
